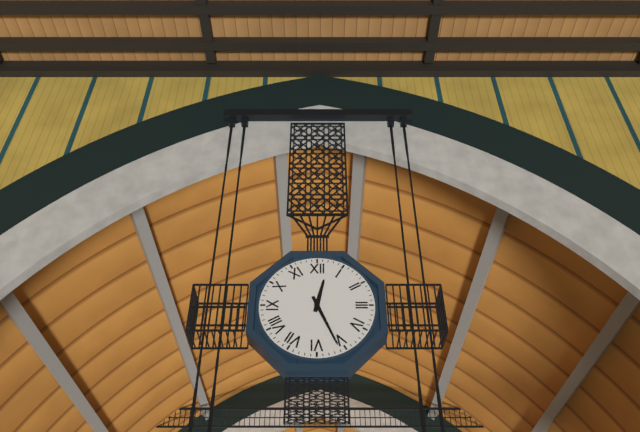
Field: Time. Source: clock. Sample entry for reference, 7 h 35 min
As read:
12 h 26 min
